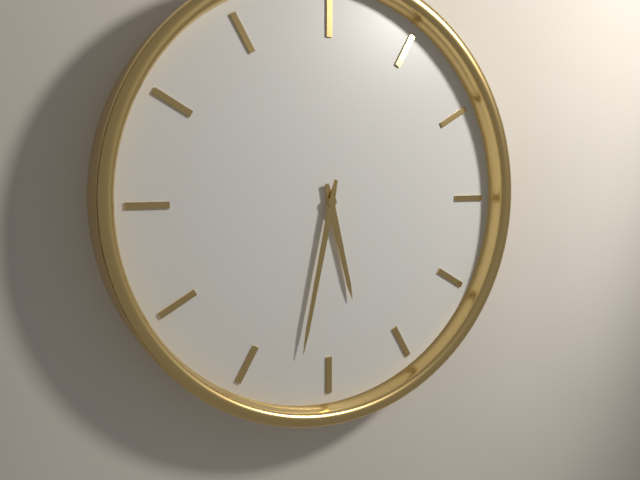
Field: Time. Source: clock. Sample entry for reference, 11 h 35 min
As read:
5 h 32 min
